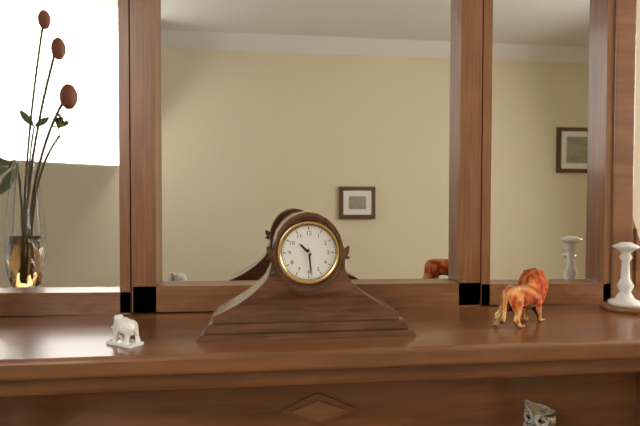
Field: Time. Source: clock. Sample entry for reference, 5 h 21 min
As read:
10 h 29 min
